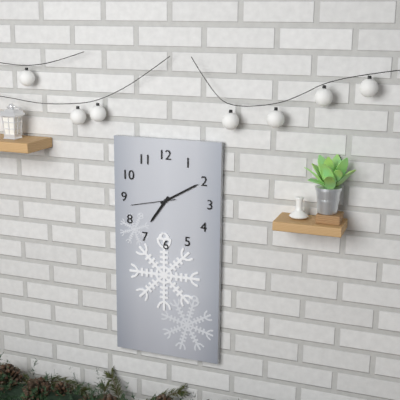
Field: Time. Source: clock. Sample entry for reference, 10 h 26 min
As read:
7 h 10 min
